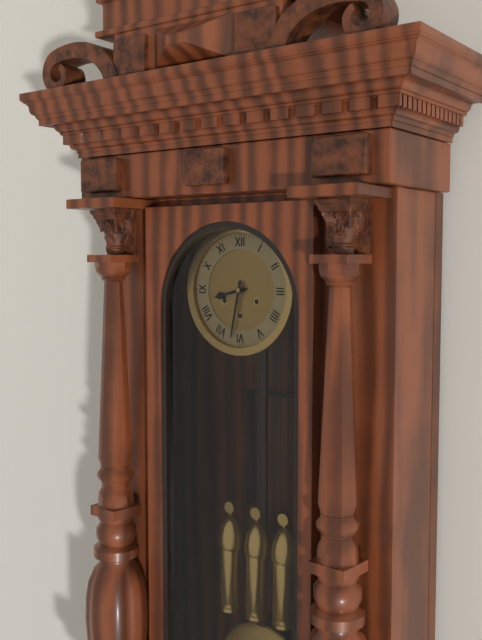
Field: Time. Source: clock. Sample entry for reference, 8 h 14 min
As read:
8 h 32 min
